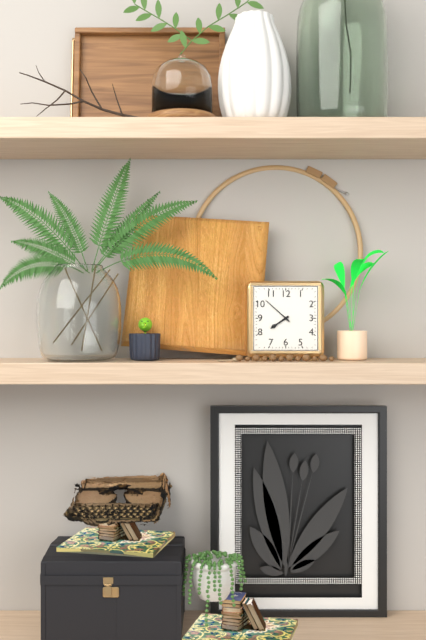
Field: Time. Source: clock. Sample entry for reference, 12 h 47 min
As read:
7 h 52 min
